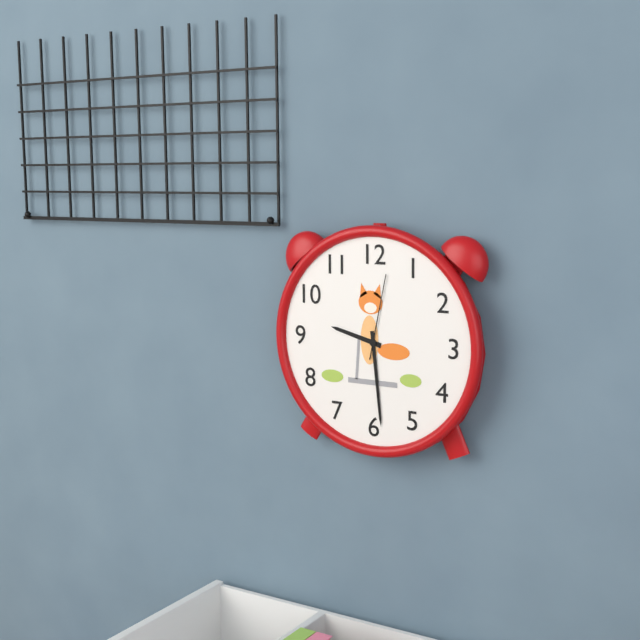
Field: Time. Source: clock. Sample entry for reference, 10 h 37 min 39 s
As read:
9 h 29 min 02 s
